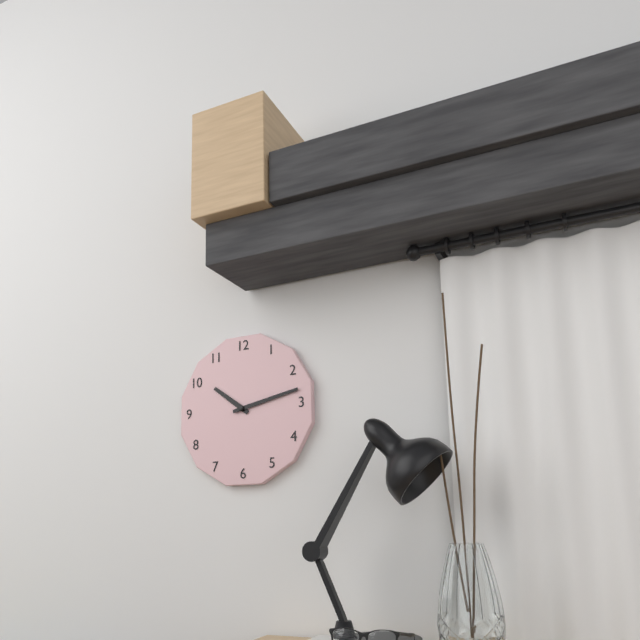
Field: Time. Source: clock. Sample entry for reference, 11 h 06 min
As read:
10 h 13 min
